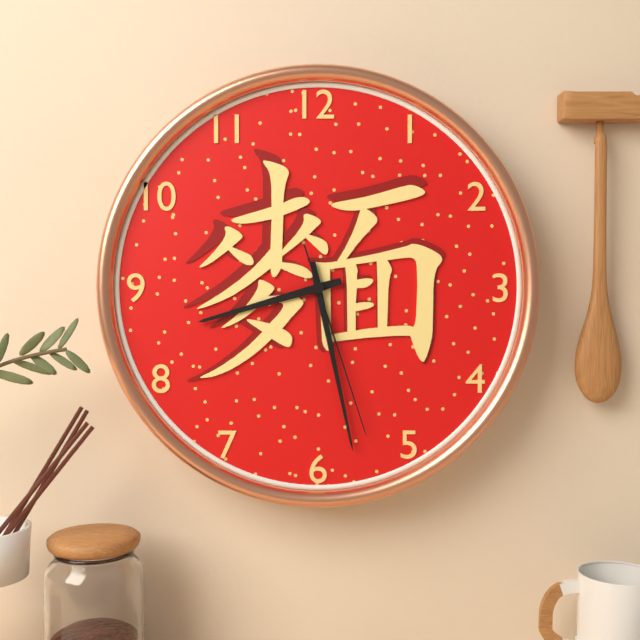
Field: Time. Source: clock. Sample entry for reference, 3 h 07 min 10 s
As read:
8 h 28 min 27 s
